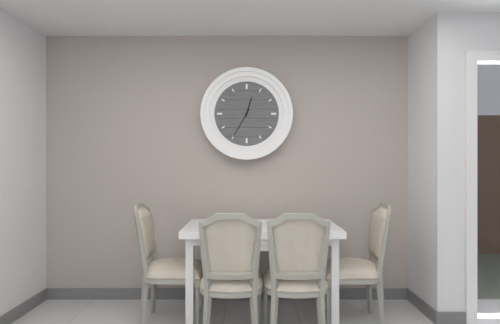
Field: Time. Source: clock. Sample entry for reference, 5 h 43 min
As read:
12 h 35 min
